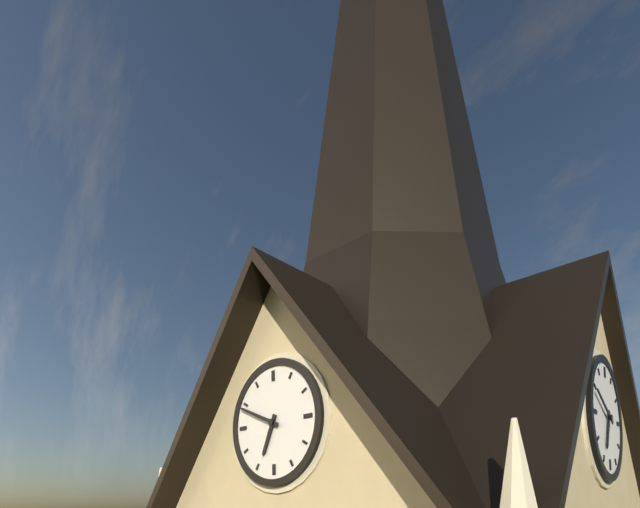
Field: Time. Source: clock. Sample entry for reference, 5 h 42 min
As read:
6 h 49 min
